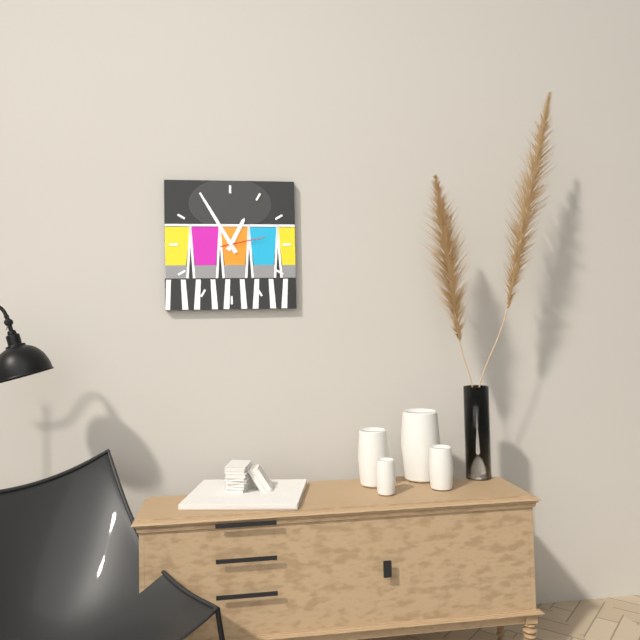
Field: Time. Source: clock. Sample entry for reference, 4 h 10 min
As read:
12 h 55 min
